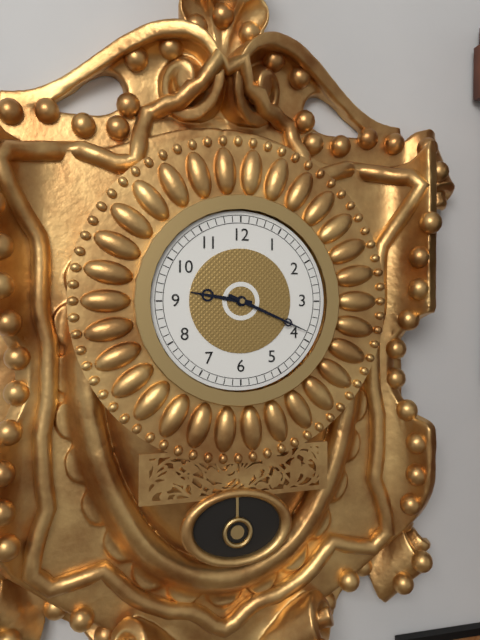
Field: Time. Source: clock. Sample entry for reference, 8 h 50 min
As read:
9 h 19 min
